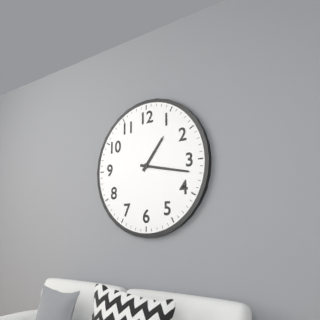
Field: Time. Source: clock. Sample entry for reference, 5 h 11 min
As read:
1 h 17 min
